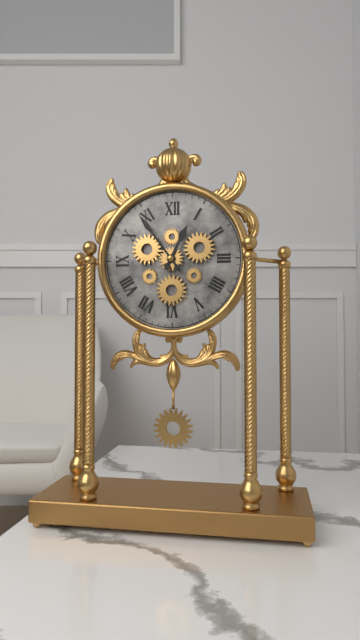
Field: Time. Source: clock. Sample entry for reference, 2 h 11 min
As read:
12 h 54 min
